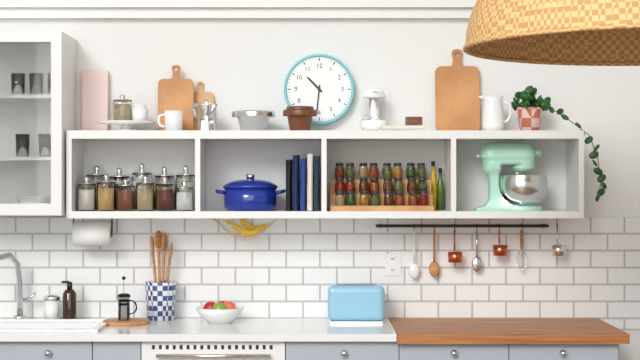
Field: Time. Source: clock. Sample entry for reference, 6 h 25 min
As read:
10 h 31 min
